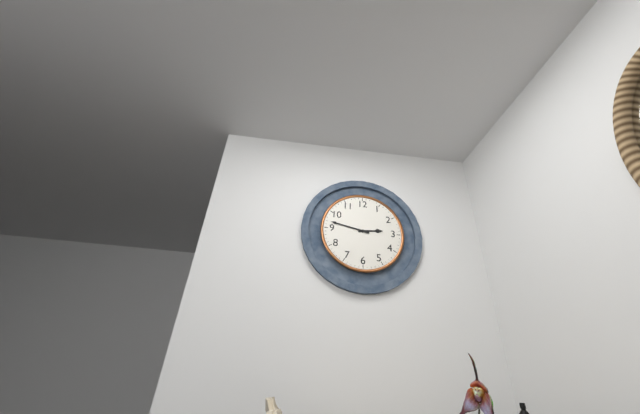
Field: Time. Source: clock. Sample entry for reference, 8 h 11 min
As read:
2 h 47 min
